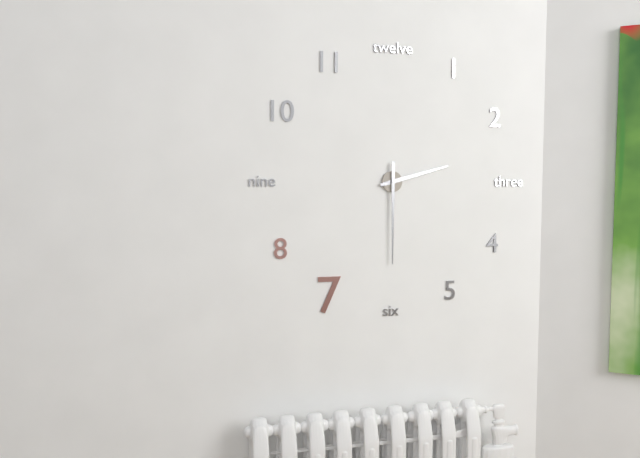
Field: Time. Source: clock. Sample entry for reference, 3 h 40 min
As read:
2 h 30 min
